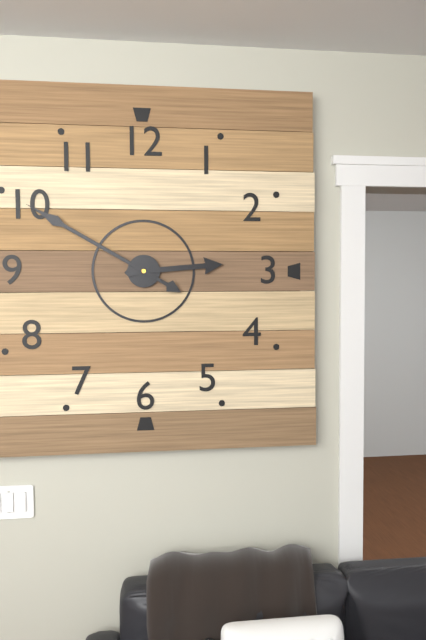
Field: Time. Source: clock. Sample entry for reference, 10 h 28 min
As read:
2 h 50 min
